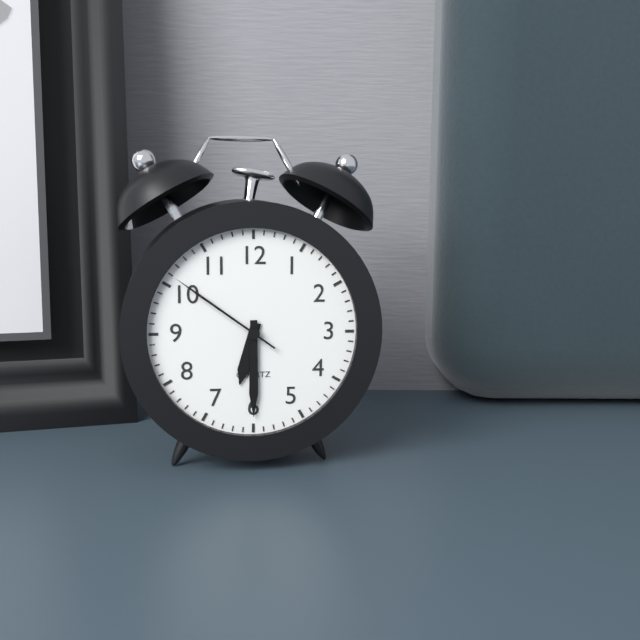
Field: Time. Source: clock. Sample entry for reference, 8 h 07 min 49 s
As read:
6 h 30 min 51 s
